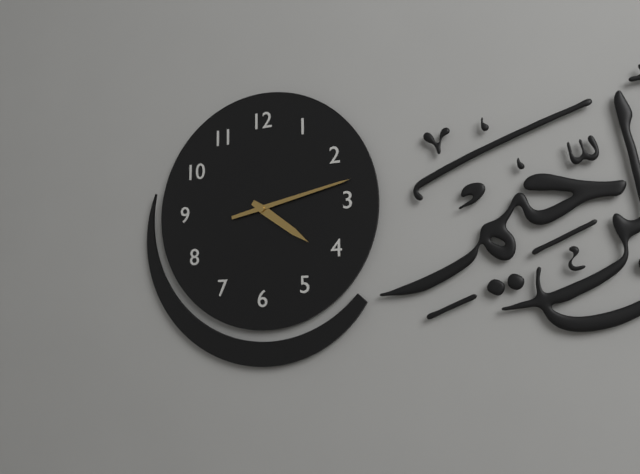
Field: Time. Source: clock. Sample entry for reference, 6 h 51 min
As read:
4 h 13 min
